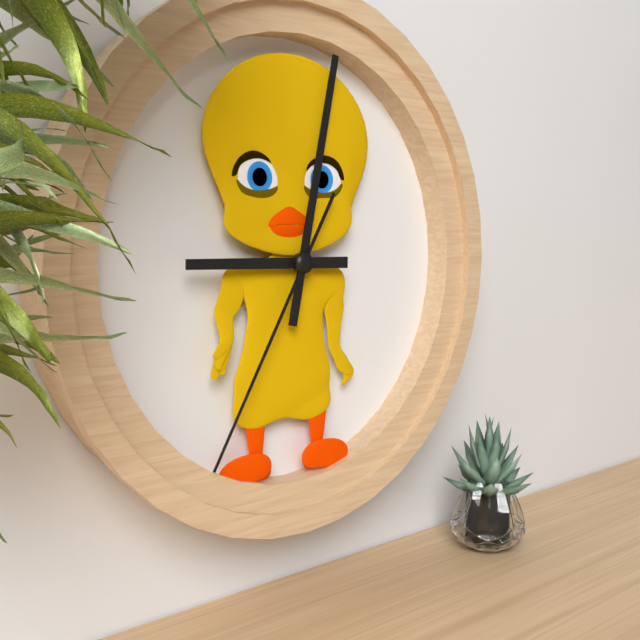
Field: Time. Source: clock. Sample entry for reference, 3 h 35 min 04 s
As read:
9 h 02 min 35 s
